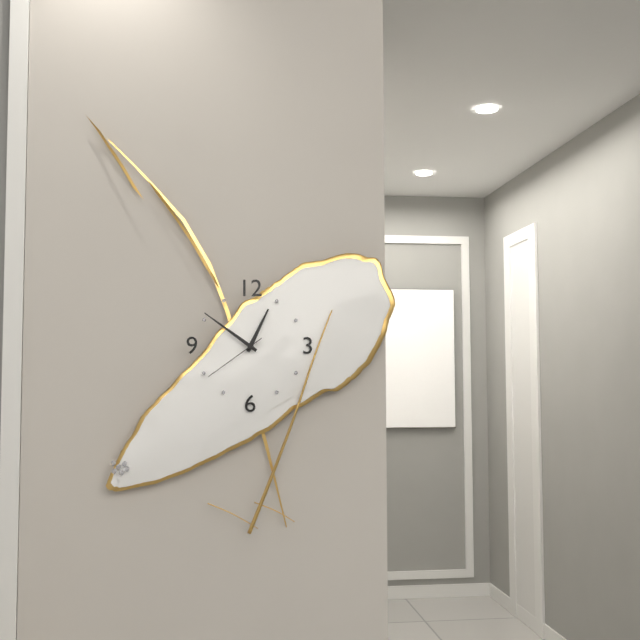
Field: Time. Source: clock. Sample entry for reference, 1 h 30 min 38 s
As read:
12 h 51 min 39 s
